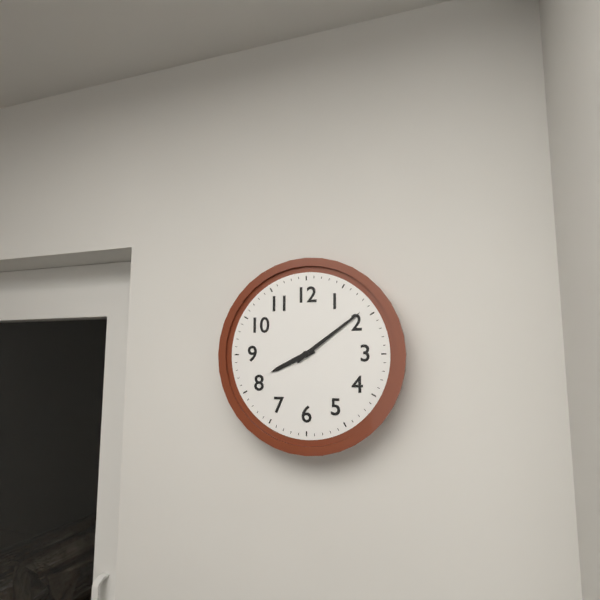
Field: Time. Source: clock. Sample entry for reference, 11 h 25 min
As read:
8 h 09 min
